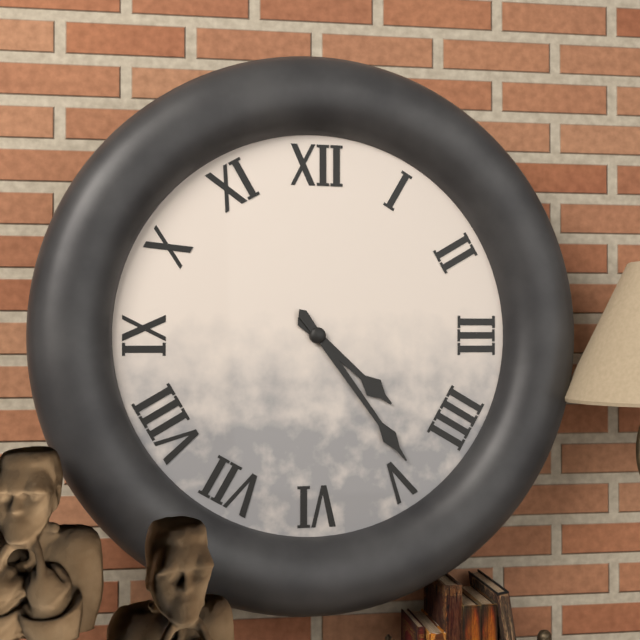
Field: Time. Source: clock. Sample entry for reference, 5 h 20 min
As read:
4 h 24 min
